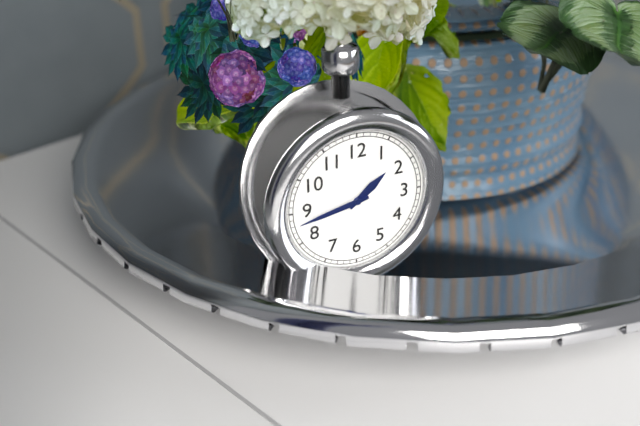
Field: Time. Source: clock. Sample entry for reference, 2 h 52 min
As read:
1 h 43 min
